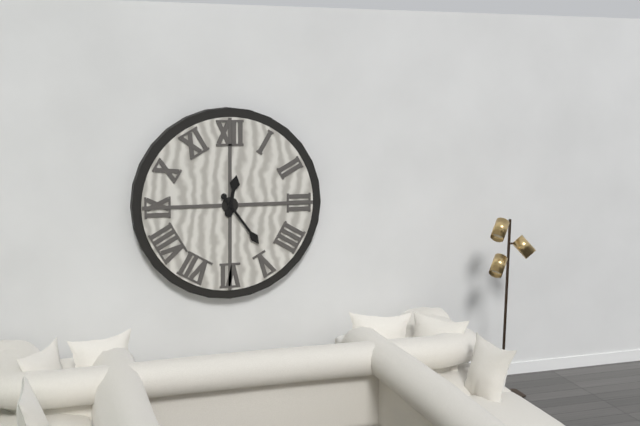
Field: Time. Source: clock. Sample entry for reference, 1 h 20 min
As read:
12 h 24 min
